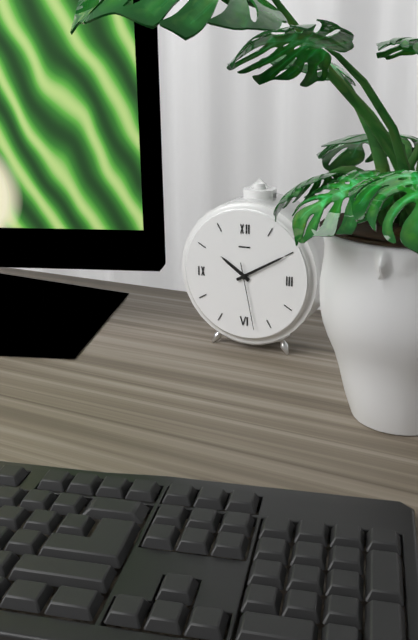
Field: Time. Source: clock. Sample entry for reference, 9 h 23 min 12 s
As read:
10 h 10 min 28 s
